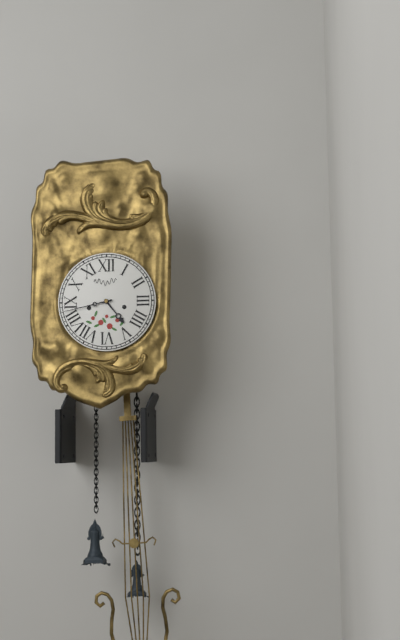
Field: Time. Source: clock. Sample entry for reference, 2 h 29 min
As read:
4 h 43 min
